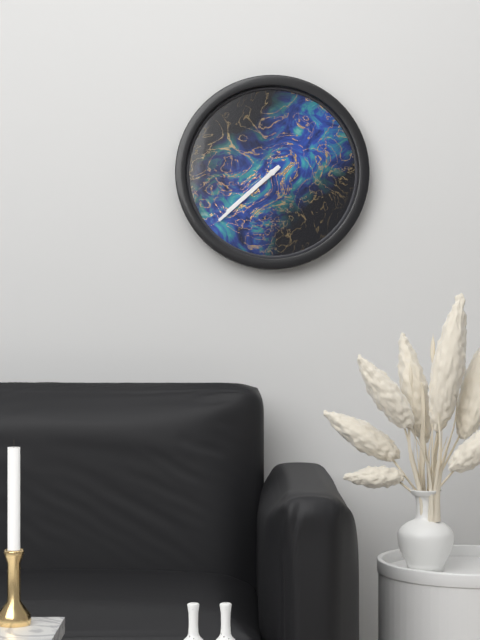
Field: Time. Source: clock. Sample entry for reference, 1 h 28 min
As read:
7 h 38 min
